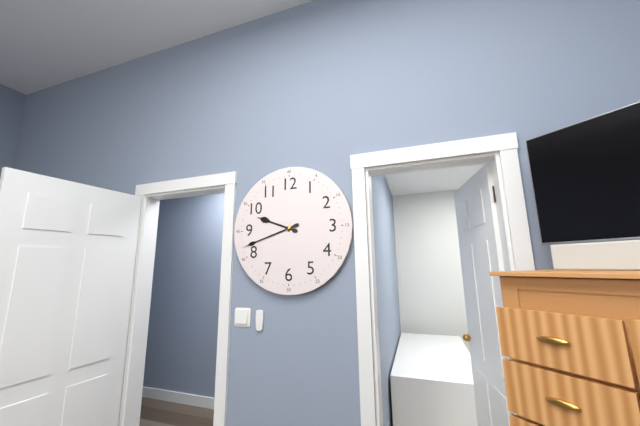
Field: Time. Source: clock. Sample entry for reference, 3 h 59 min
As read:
9 h 42 min
